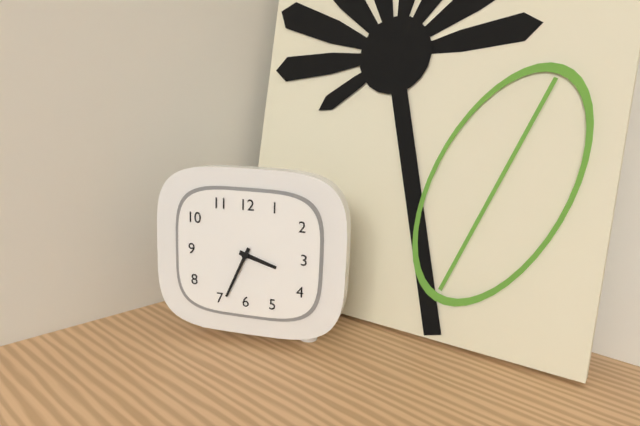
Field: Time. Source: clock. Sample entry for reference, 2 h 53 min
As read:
3 h 34 min
